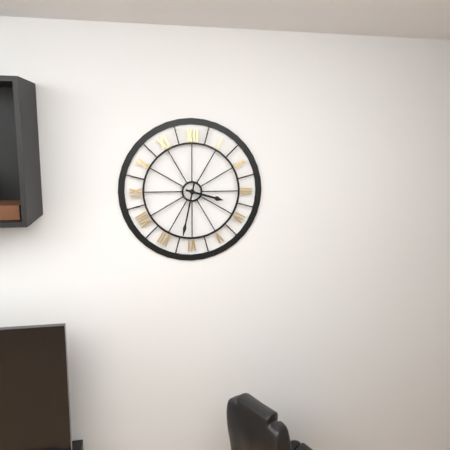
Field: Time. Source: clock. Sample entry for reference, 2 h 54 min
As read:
3 h 32 min
